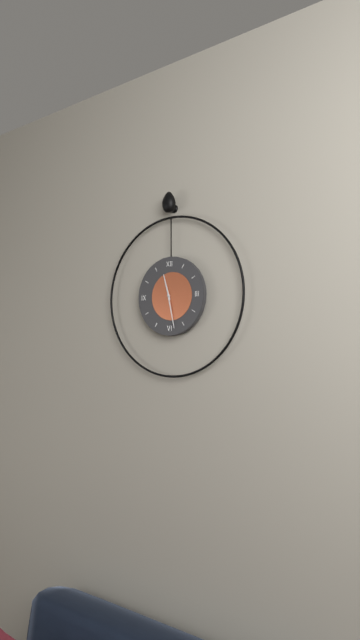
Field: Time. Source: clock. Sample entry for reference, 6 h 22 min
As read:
11 h 28 min
